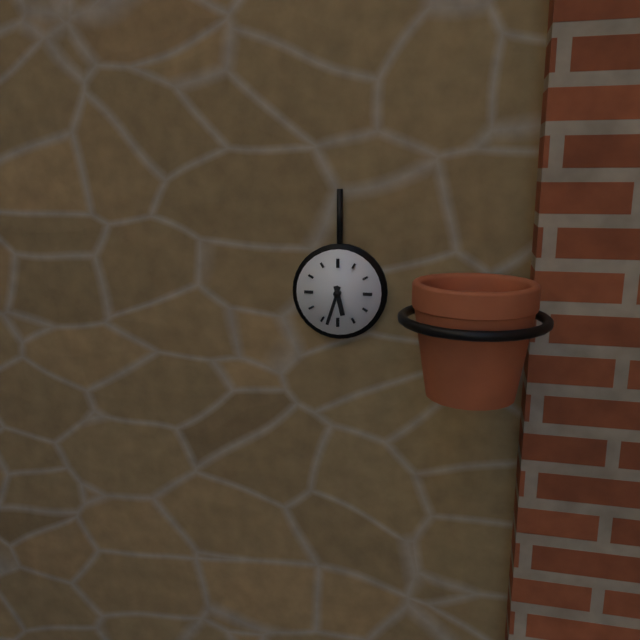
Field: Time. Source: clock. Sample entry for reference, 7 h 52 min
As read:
5 h 33 min
